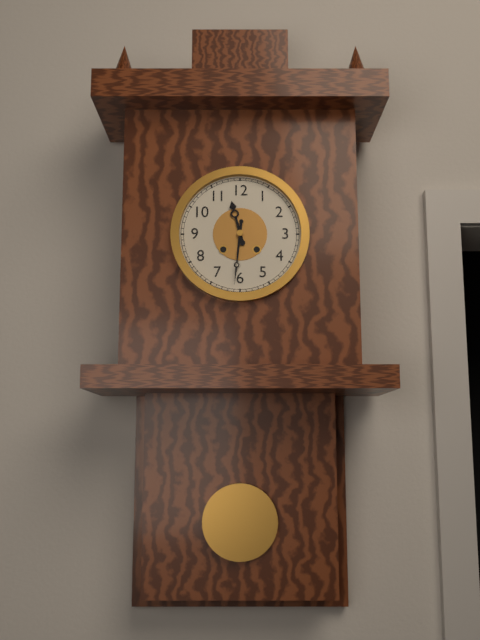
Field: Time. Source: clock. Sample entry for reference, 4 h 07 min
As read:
11 h 31 min
